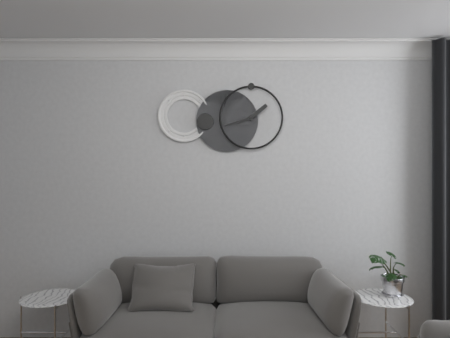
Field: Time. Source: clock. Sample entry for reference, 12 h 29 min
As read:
1 h 42 min
